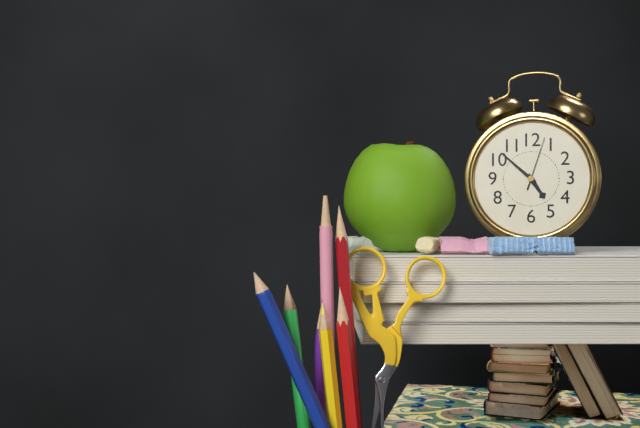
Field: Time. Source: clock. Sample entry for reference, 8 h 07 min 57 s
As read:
4 h 52 min 03 s
